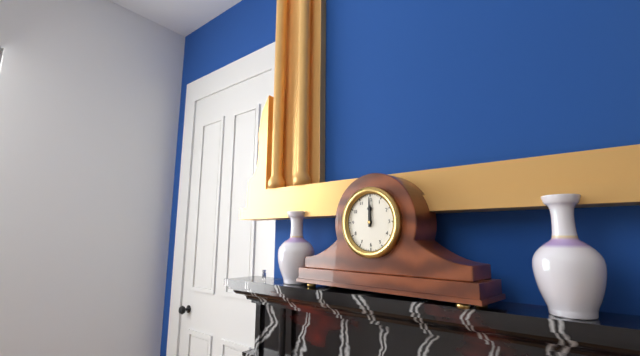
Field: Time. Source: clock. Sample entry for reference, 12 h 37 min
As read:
12 h 00 min
